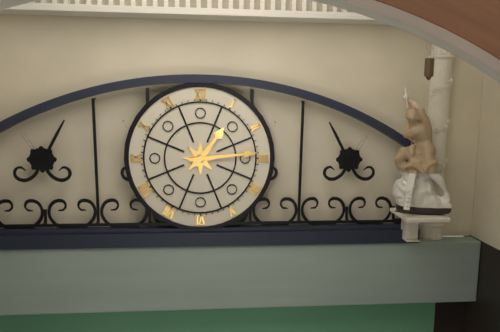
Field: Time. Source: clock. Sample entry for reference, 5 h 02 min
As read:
1 h 14 min
